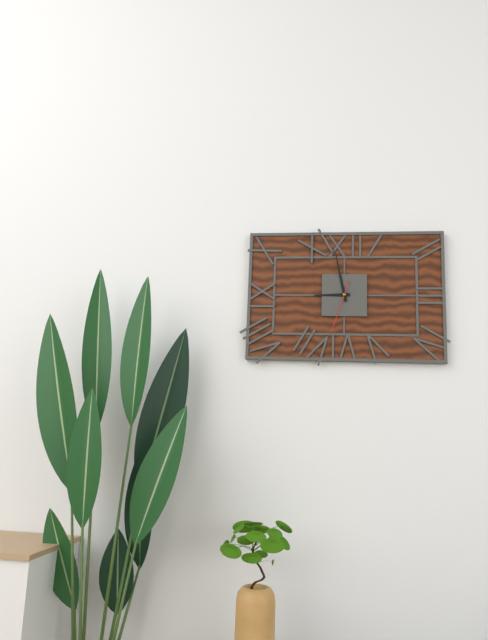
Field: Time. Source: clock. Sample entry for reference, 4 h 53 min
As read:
8 h 58 min
